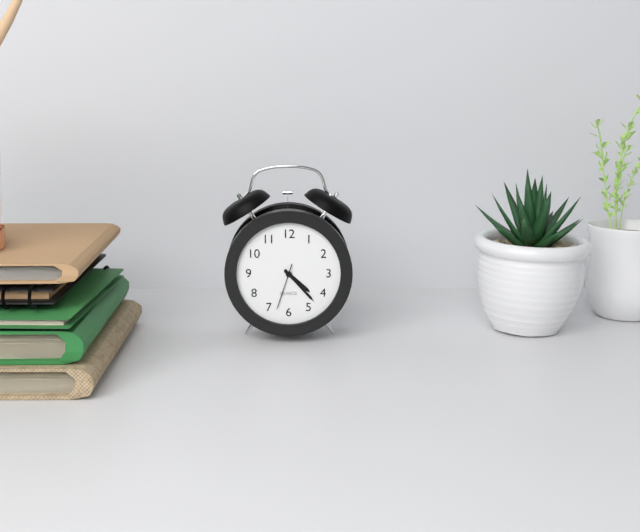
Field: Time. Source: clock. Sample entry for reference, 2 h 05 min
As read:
4 h 23 min
